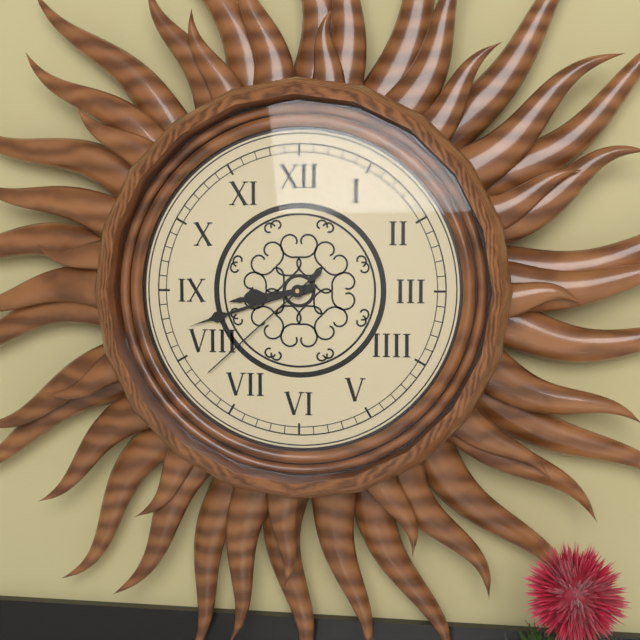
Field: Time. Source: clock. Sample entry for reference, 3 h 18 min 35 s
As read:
8 h 42 min 38 s
